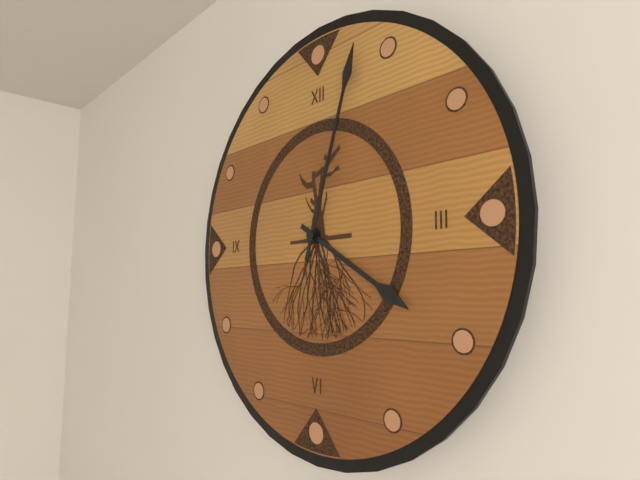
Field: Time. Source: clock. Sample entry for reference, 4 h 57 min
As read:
4 h 03 min
